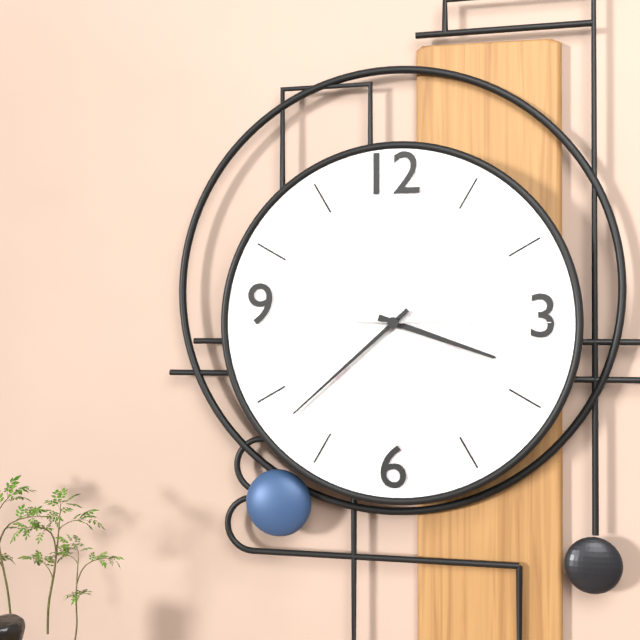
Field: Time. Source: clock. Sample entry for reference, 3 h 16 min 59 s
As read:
3 h 38 min 15 s
